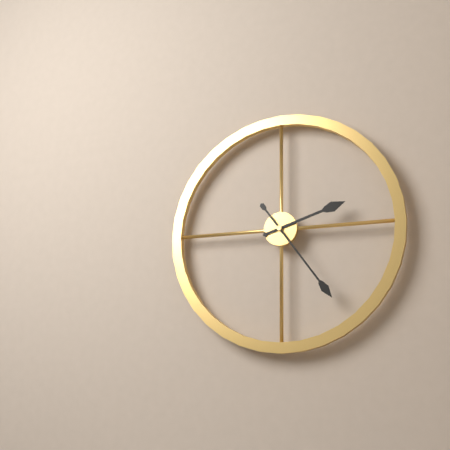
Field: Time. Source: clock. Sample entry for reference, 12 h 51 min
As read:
2 h 24 min
